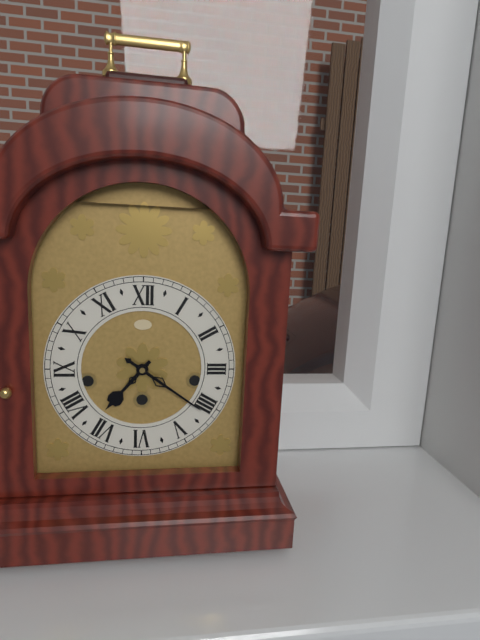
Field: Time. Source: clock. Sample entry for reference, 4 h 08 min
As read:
7 h 21 min
